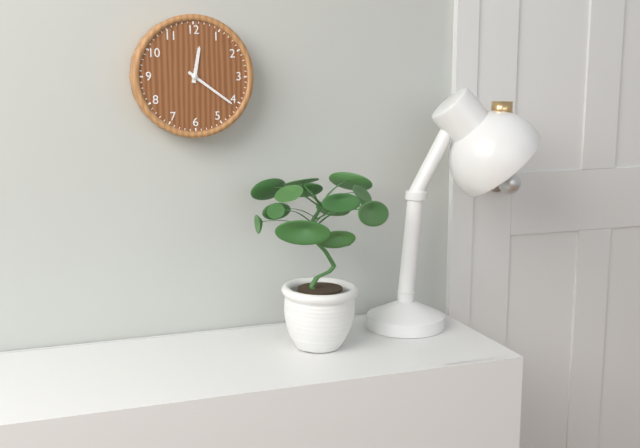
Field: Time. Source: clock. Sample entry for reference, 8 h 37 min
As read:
12 h 21 min
